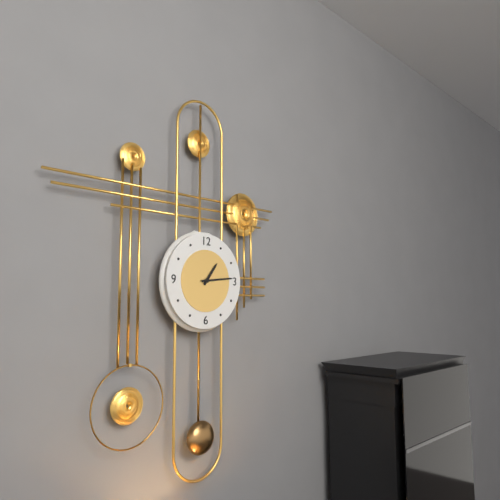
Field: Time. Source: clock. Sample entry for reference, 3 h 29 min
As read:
1 h 14 min
